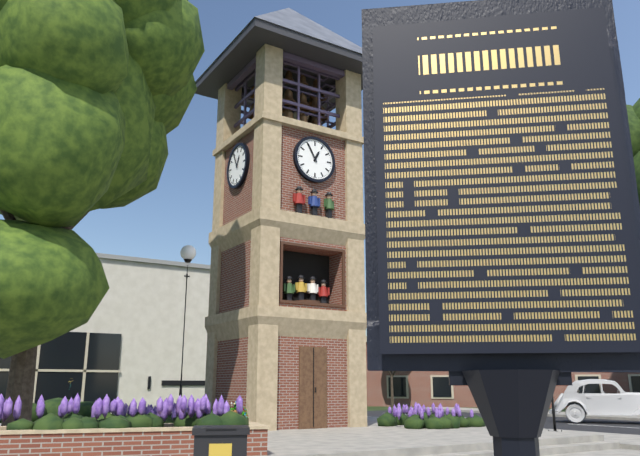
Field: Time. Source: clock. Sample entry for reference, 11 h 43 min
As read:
12 h 55 min
